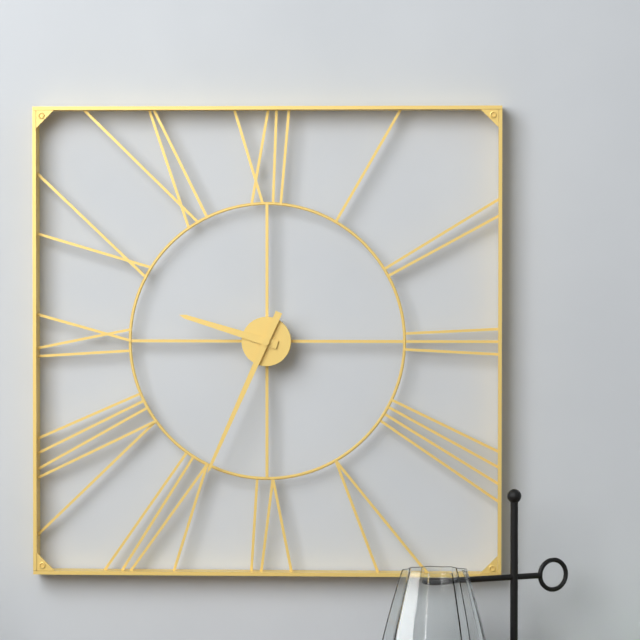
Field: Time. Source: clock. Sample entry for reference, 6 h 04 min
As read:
9 h 34 min
